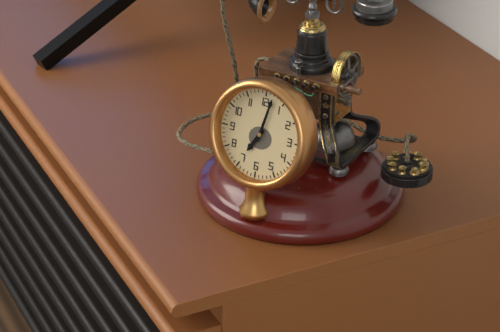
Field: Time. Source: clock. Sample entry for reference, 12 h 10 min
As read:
7 h 02 min
